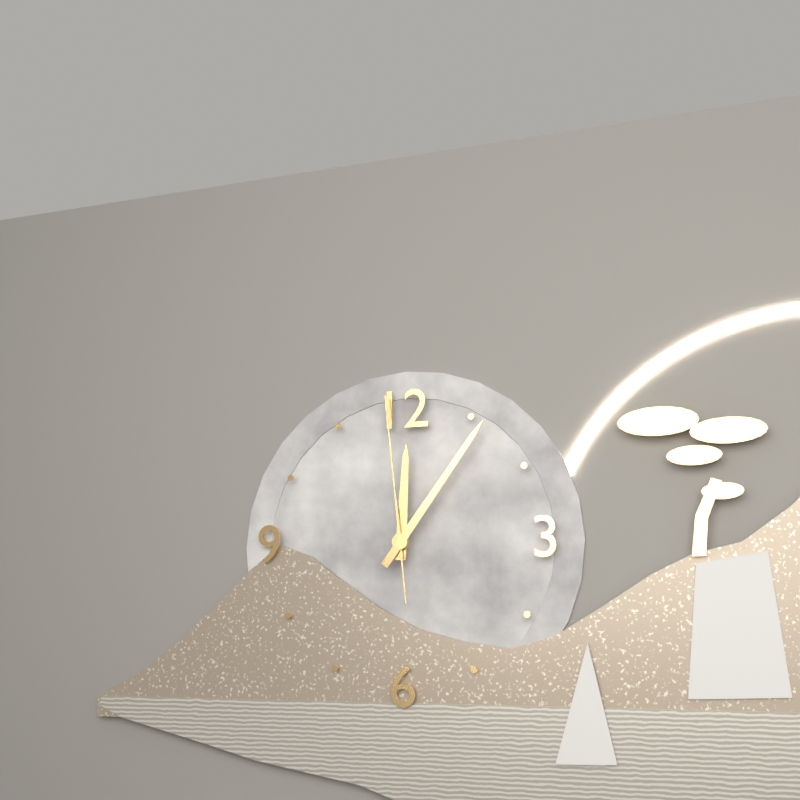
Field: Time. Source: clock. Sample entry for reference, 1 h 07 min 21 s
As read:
12 h 06 min 59 s
